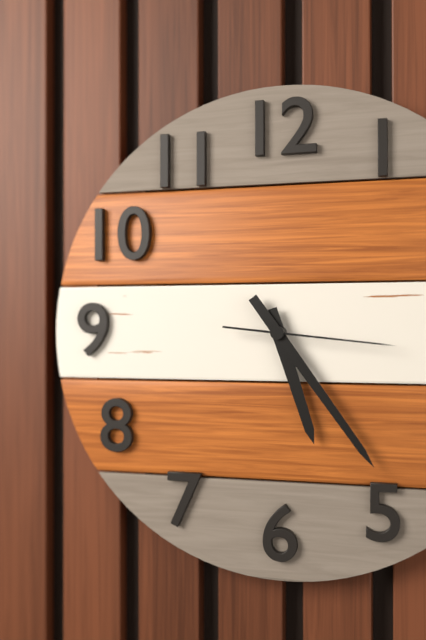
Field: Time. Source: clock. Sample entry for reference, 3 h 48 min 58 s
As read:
5 h 24 min 16 s
